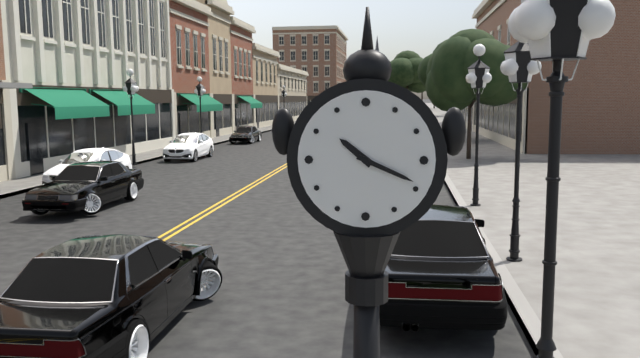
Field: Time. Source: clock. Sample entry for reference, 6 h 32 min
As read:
10 h 19 min
